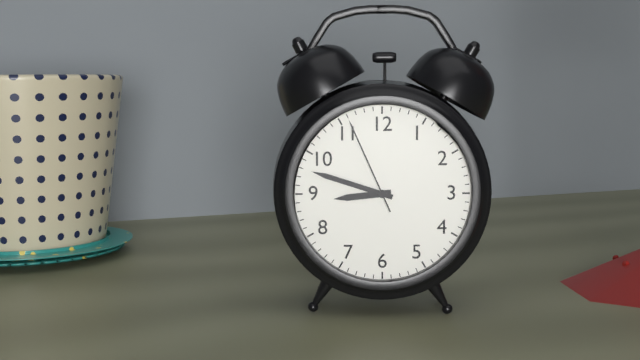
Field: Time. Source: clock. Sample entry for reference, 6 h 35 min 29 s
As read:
8 h 48 min 56 s
